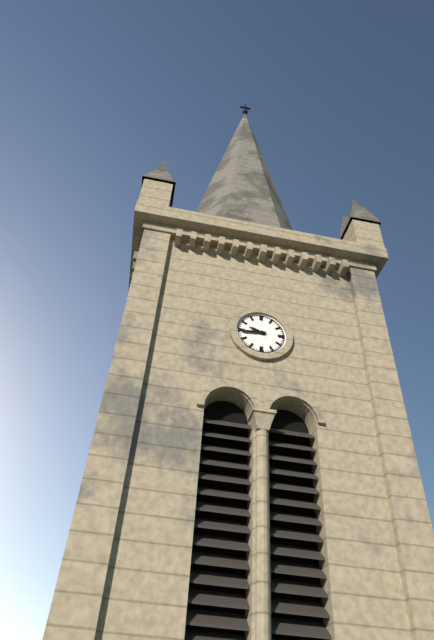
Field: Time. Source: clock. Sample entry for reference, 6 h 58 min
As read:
9 h 44 min
